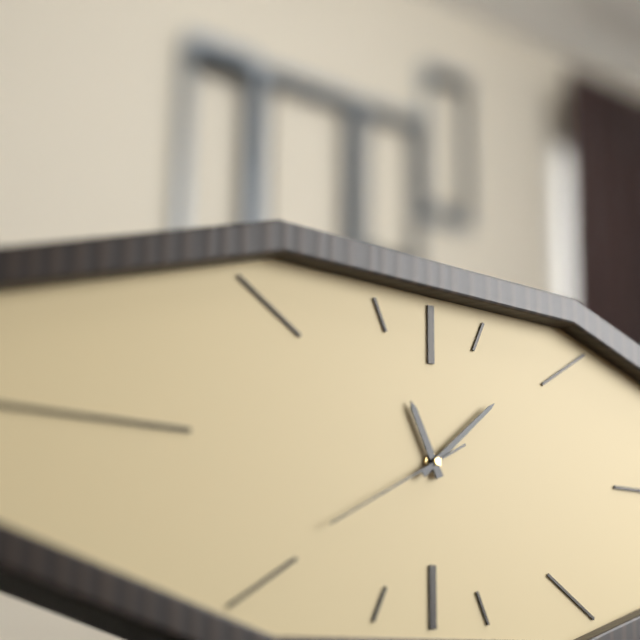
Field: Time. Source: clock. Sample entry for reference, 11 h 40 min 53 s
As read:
11 h 08 min 40 s
